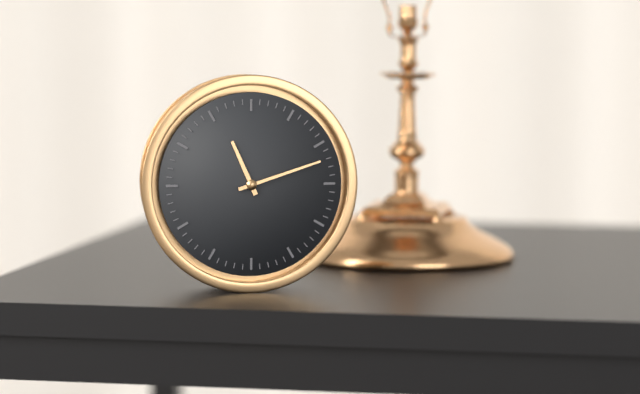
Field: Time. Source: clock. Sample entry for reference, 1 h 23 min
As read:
11 h 12 min
